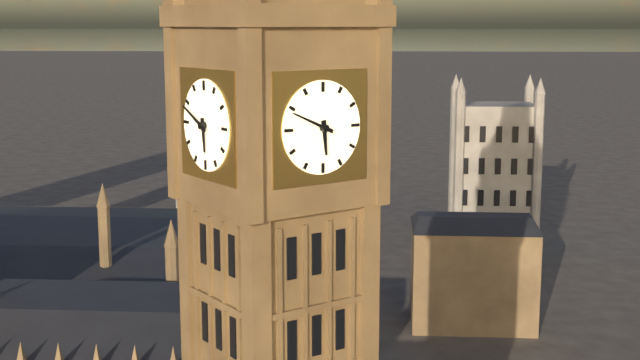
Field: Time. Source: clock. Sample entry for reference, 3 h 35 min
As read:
5 h 49 min
